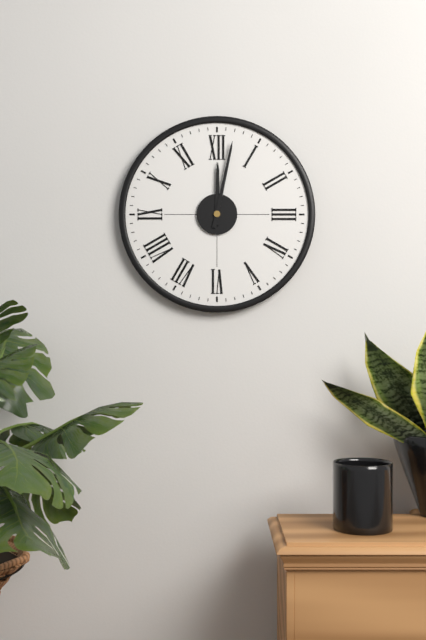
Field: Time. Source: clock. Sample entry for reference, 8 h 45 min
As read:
12 h 02 min
